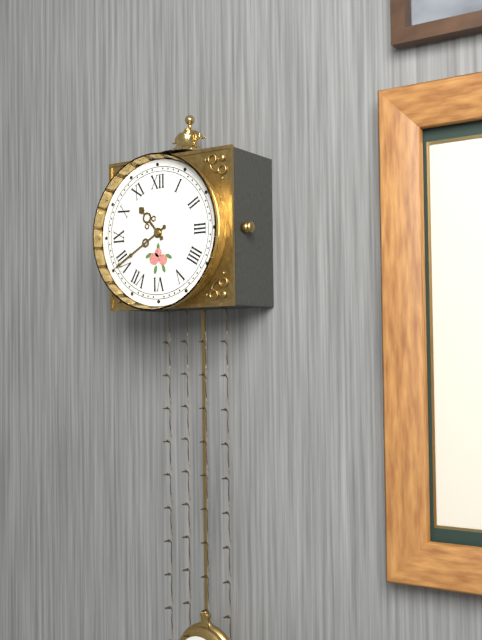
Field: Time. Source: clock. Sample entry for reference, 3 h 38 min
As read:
10 h 40 min
